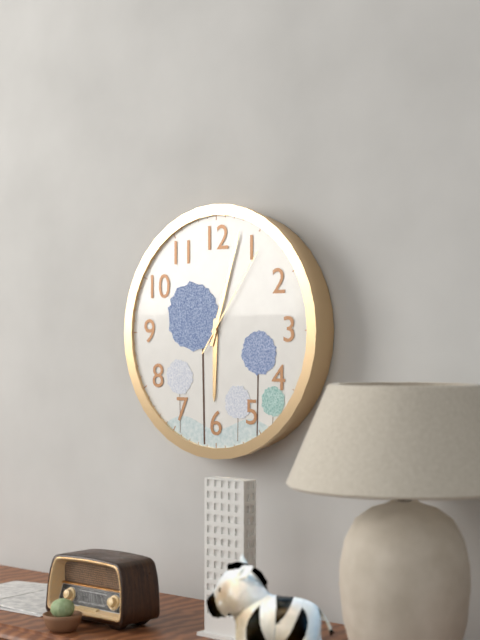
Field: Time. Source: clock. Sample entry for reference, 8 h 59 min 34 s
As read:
6 h 03 min 06 s
